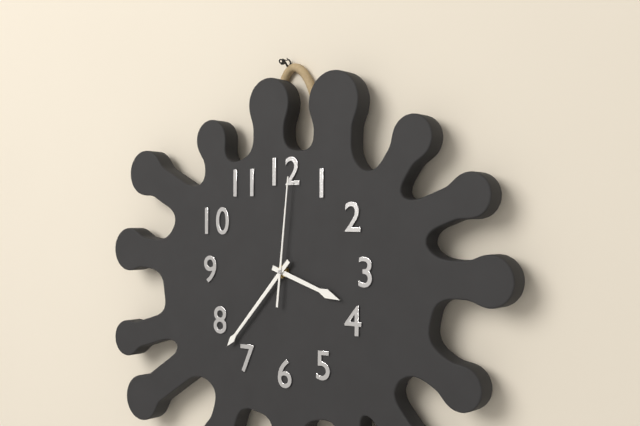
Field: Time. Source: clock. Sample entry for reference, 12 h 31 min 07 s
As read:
3 h 37 min 01 s
